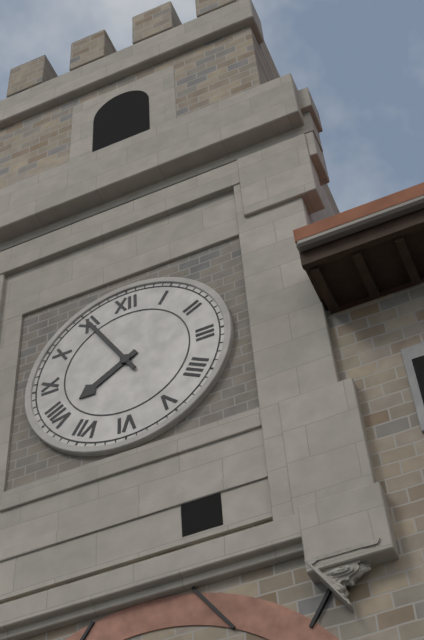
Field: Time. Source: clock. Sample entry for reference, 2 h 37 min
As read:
7 h 55 min
